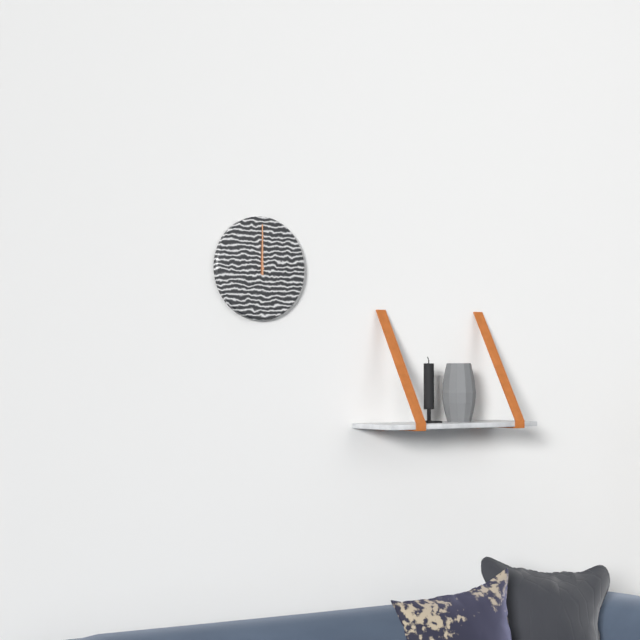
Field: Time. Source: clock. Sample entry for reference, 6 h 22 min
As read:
12 h 00 min
